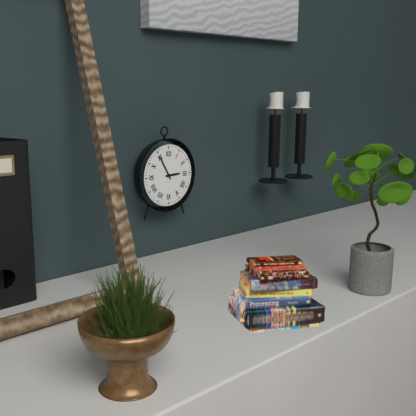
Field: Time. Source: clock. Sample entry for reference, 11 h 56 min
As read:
2 h 55 min
